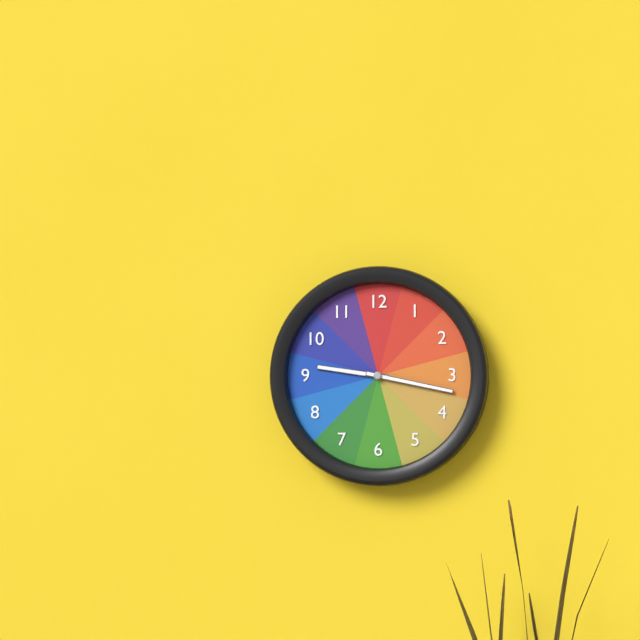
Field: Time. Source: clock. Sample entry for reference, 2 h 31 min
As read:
9 h 17 min
